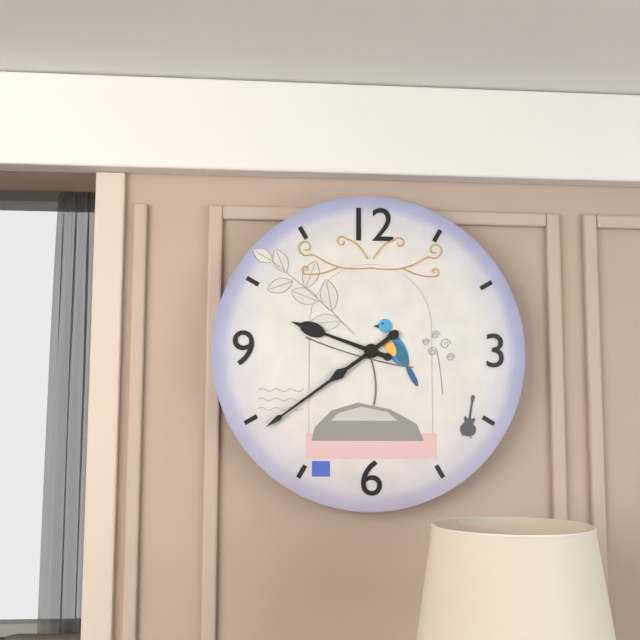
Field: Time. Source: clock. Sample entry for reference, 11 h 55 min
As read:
9 h 39 min
